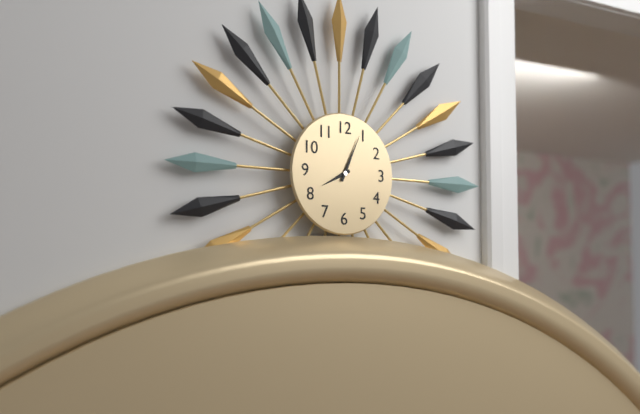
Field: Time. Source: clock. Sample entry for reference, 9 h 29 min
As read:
8 h 04 min
